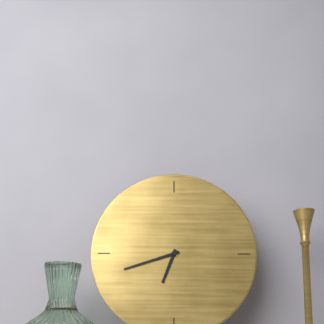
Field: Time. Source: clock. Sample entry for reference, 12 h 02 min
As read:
6 h 42 min
